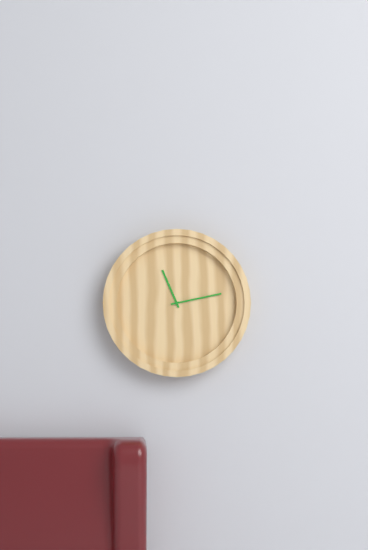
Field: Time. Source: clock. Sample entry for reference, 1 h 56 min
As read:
11 h 13 min
